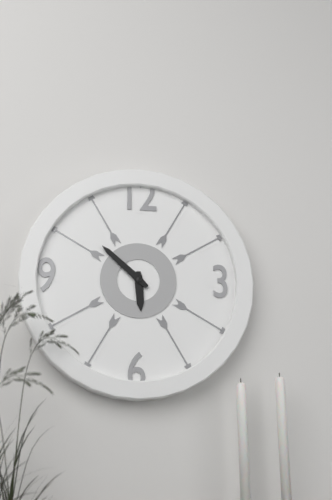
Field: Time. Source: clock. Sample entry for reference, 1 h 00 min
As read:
5 h 52 min
